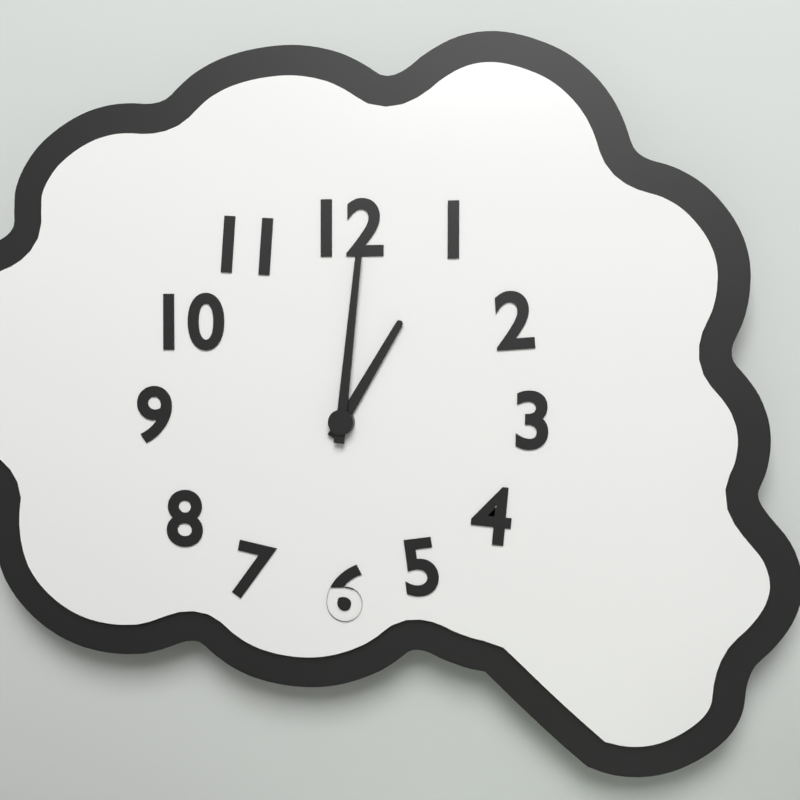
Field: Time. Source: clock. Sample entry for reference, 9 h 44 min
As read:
1 h 01 min
